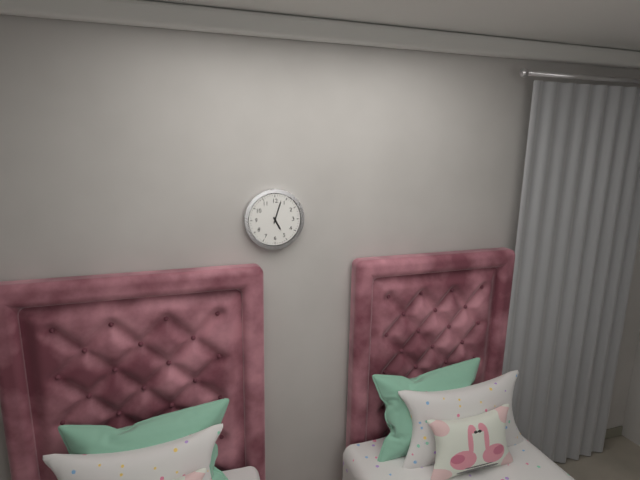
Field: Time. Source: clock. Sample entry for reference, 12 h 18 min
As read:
5 h 03 min
